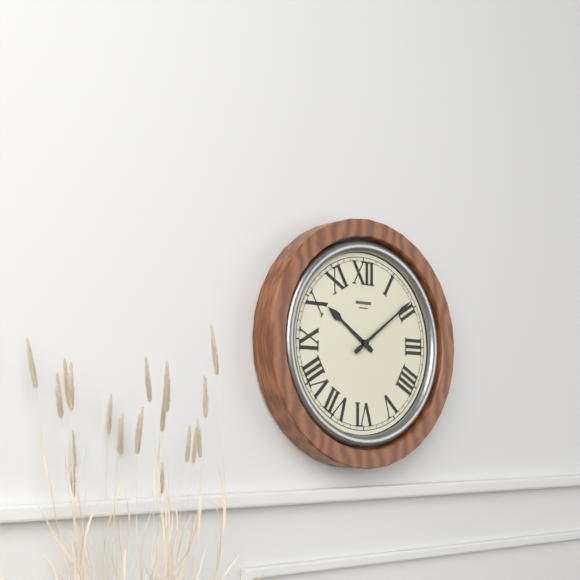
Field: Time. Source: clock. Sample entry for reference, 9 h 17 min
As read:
10 h 09 min
